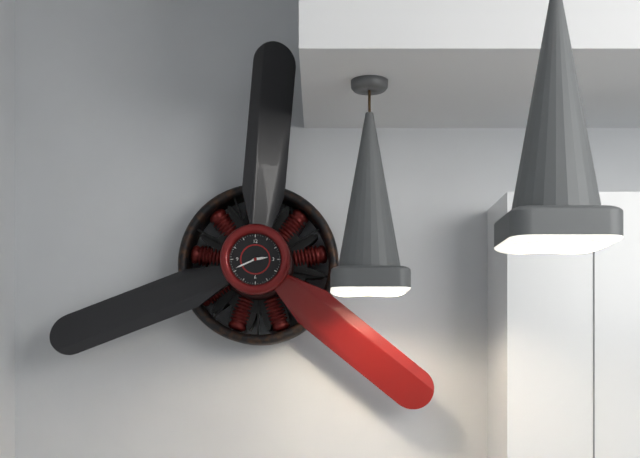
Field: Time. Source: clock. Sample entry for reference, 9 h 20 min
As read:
2 h 41 min
